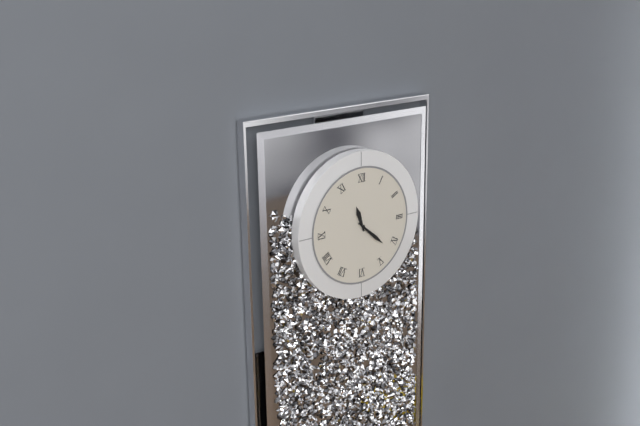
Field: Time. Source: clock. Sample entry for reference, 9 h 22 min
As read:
11 h 22 min
